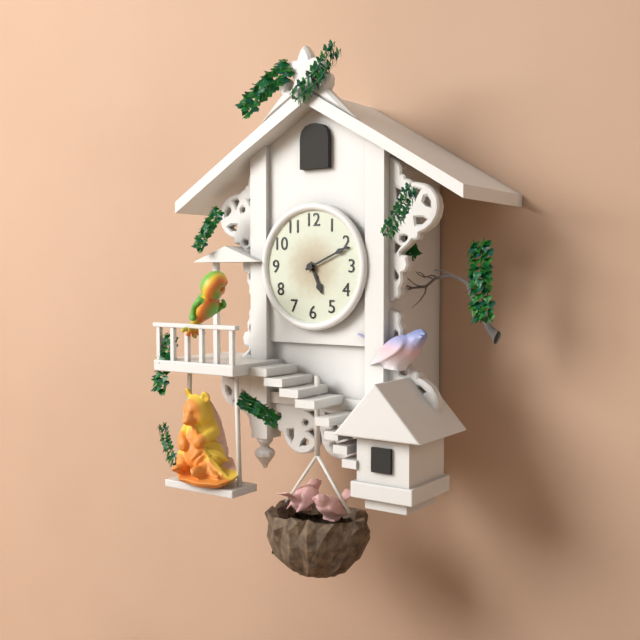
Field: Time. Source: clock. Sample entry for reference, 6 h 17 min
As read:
5 h 11 min
